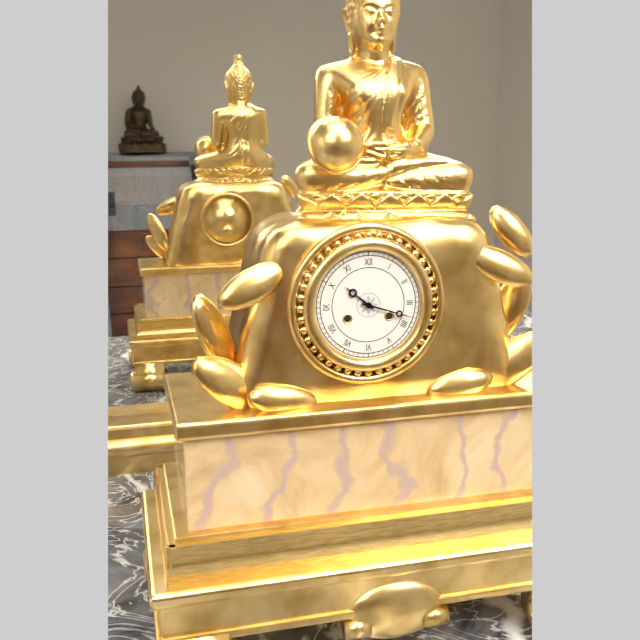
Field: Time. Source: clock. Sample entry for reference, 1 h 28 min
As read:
10 h 18 min
